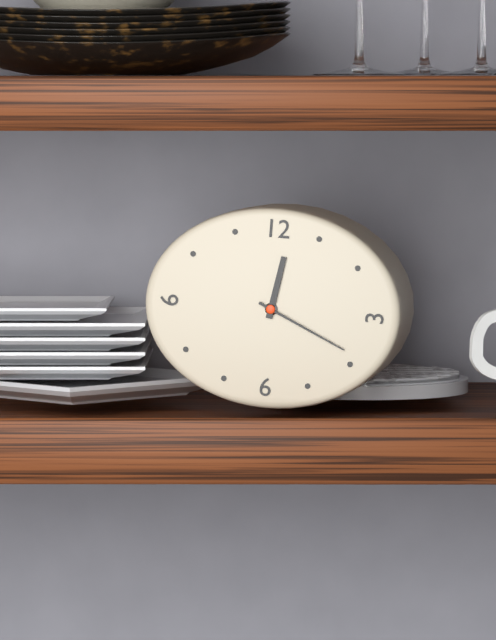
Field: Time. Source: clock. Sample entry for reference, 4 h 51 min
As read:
12 h 19 min
